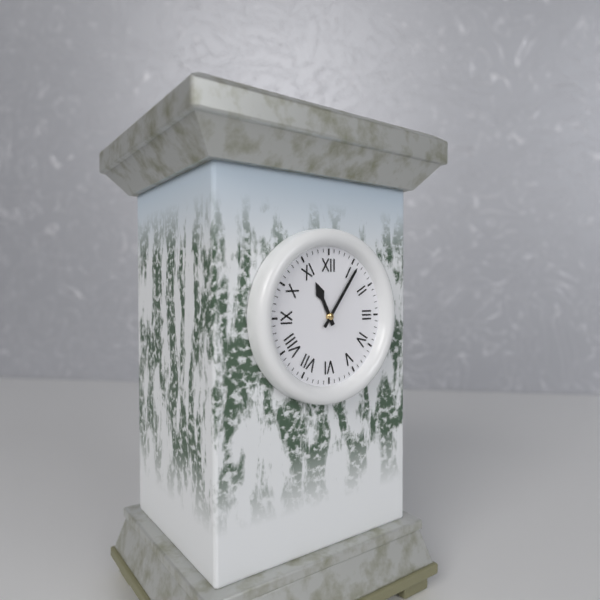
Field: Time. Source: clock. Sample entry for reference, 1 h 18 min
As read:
11 h 06 min
